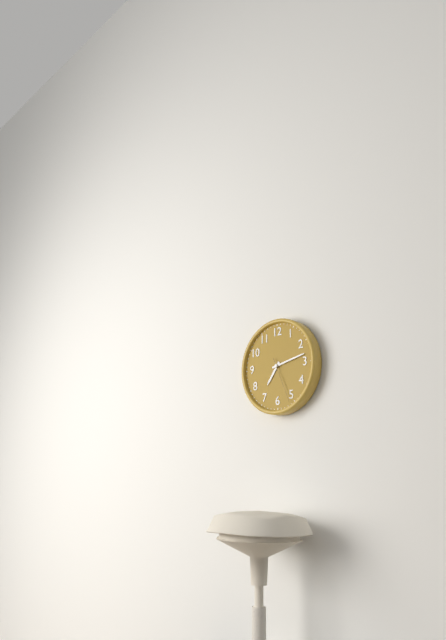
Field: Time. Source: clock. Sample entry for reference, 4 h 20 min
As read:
7 h 13 min
